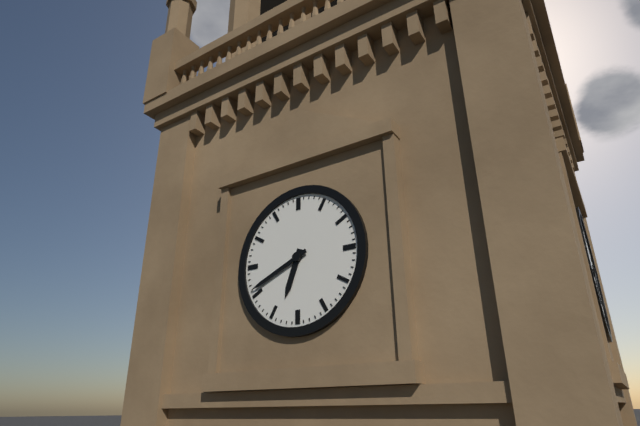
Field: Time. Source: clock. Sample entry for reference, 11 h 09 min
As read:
6 h 41 min
